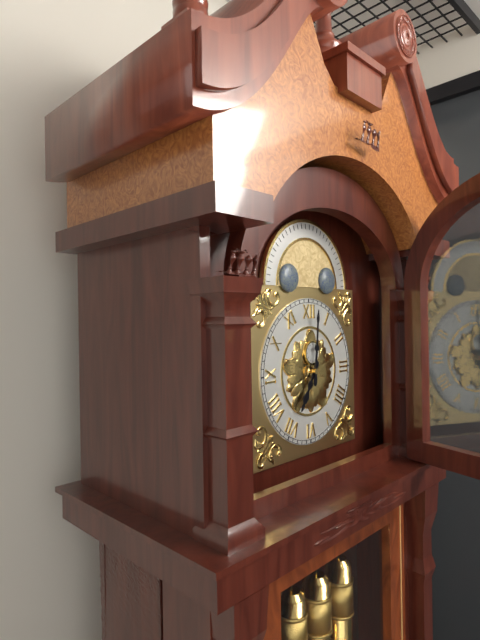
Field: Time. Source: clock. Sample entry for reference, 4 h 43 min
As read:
7 h 01 min
